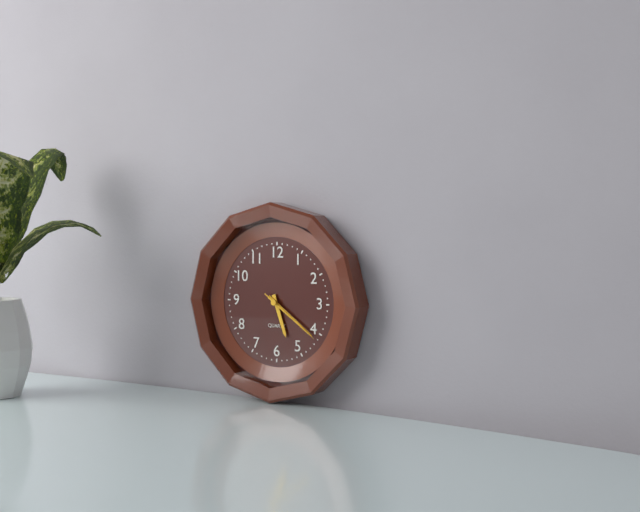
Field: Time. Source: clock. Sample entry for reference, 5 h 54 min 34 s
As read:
5 h 21 min 21 s
